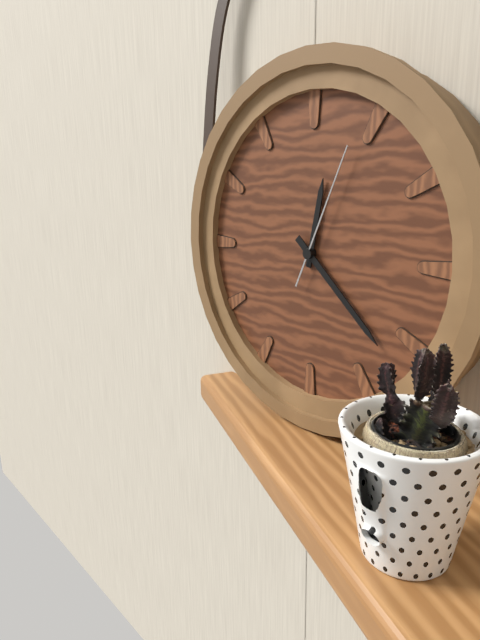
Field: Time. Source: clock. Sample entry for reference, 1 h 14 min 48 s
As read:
12 h 22 min 04 s
